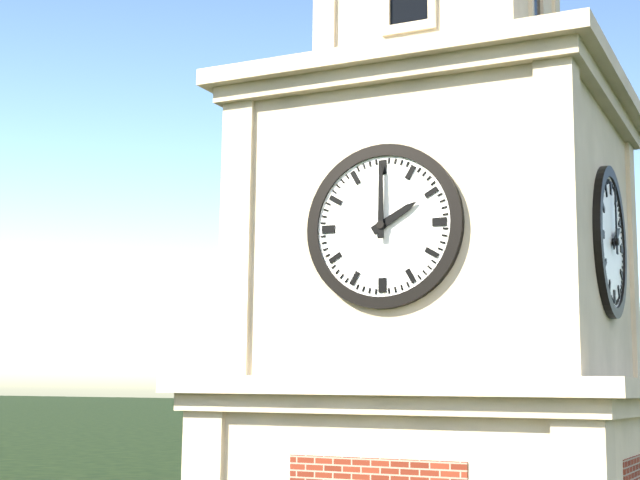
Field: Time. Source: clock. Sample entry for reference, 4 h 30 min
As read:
2 h 00 min
